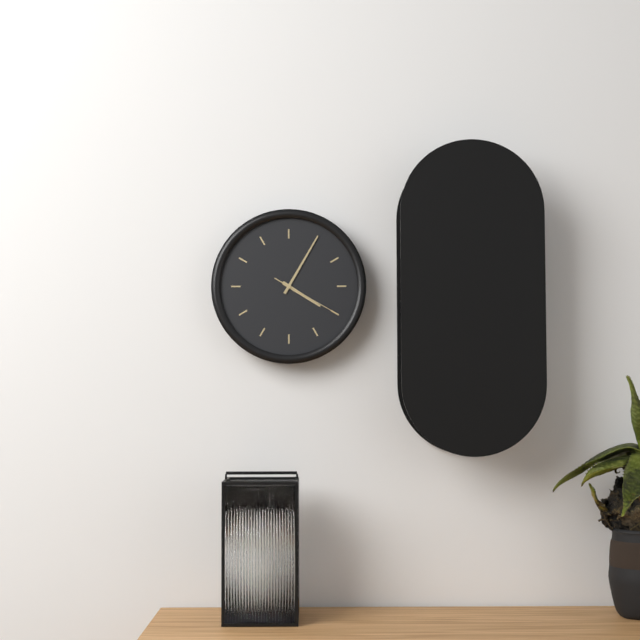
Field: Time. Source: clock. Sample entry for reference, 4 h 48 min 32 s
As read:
4 h 05 min 20 s
